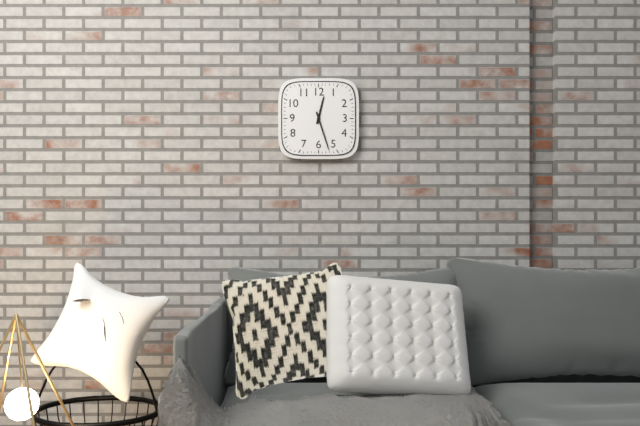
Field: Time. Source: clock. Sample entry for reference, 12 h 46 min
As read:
12 h 27 min
